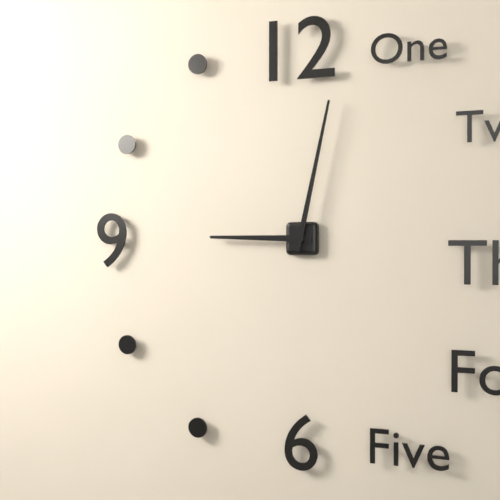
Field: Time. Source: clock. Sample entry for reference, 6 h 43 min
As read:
9 h 02 min
